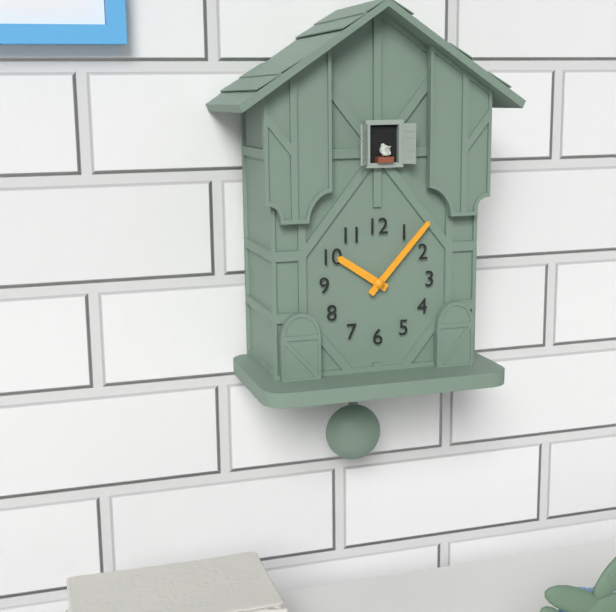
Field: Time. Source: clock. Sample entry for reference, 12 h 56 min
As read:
10 h 07 min
